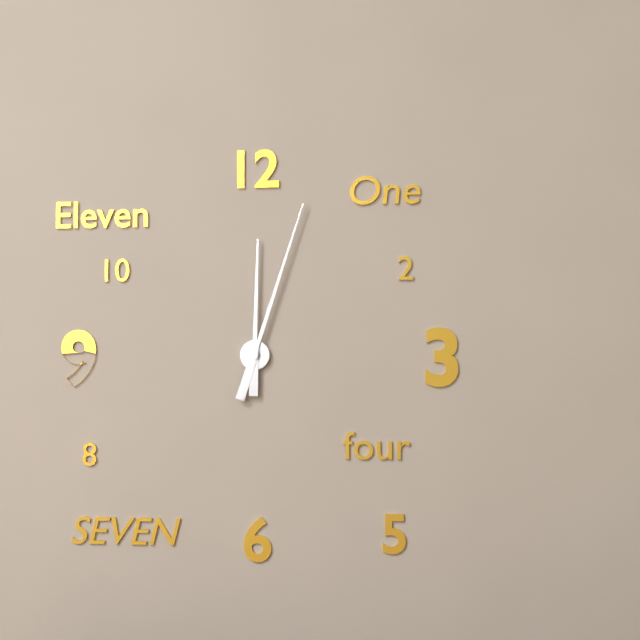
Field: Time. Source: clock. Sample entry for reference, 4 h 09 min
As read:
12 h 03 min
